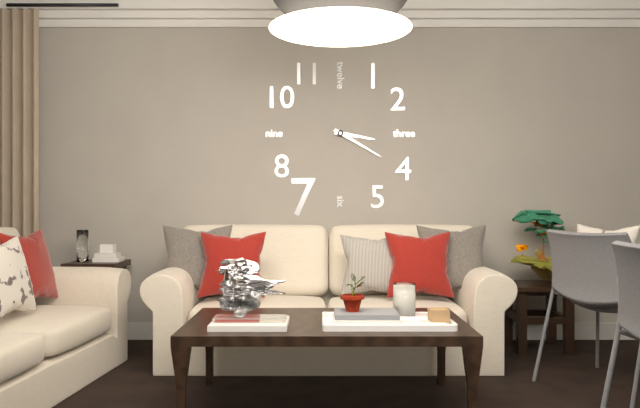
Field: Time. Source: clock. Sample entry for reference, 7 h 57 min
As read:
3 h 20 min
